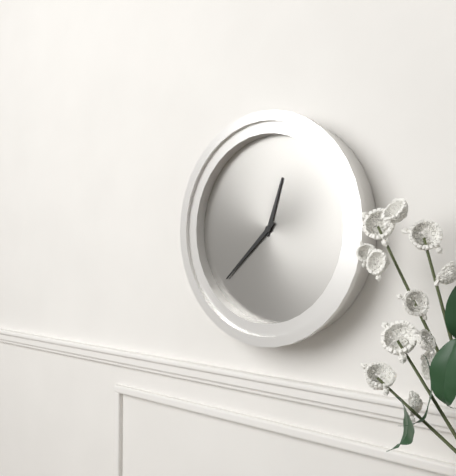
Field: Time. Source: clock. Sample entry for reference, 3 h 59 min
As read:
12 h 38 min
